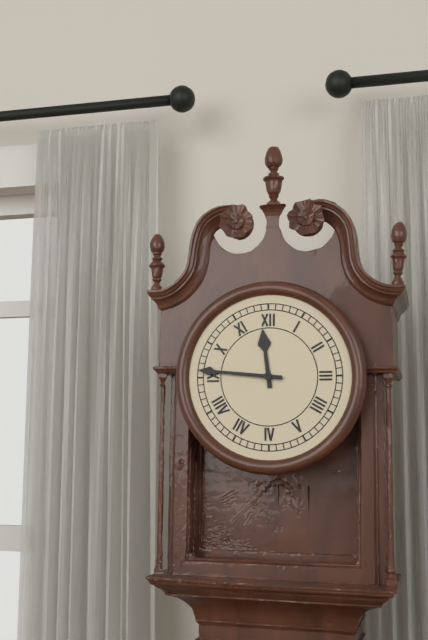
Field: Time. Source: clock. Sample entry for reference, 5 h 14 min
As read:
11 h 46 min
